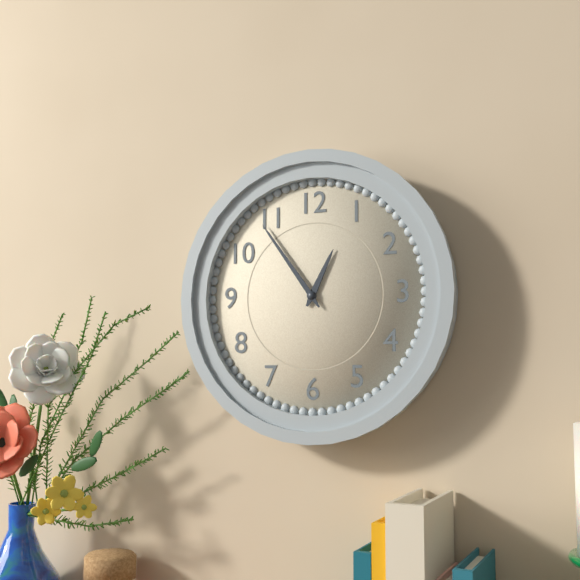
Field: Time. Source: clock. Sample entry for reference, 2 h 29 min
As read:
12 h 54 min
